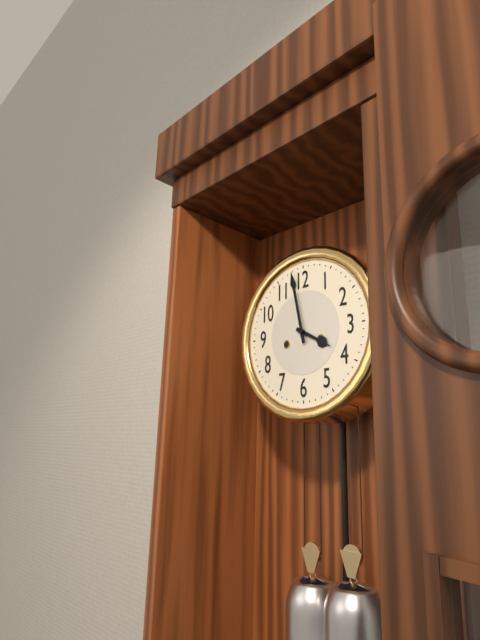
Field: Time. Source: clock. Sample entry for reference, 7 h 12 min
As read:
3 h 58 min
